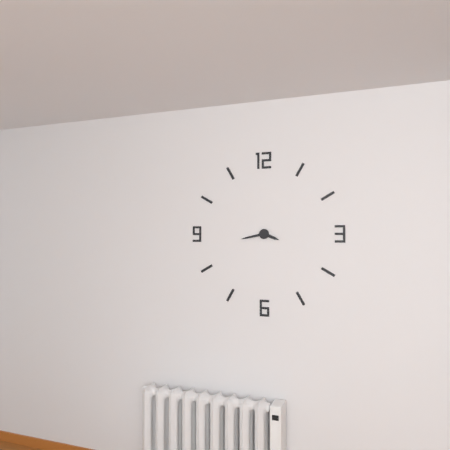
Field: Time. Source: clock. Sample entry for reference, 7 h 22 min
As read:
3 h 43 min
